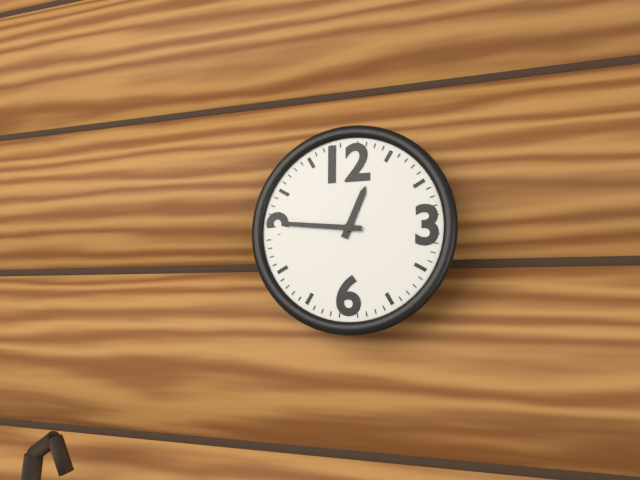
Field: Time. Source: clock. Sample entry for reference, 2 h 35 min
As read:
12 h 46 min
